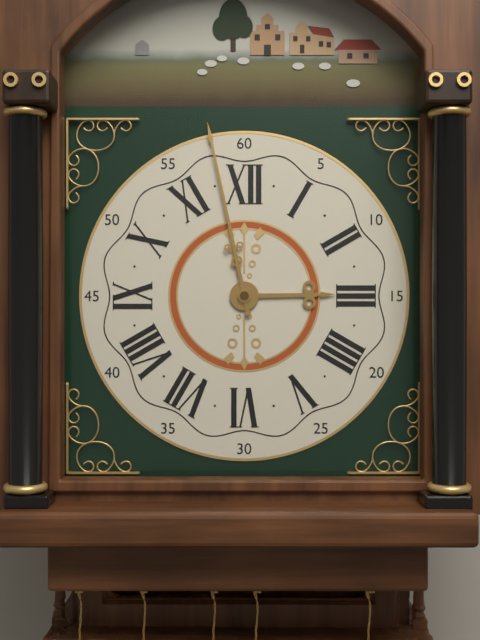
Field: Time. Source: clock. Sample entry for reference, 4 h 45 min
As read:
2 h 58 min
